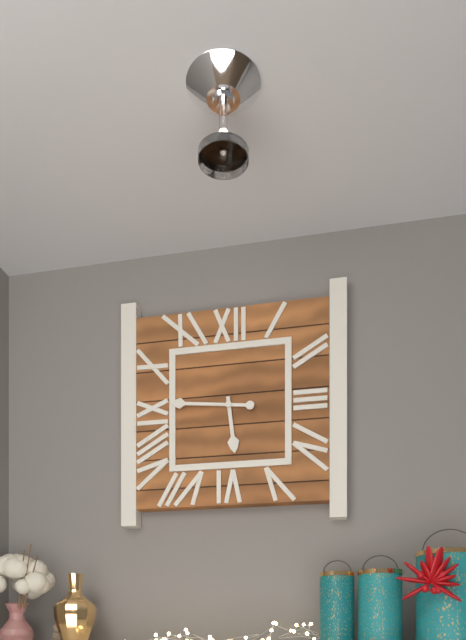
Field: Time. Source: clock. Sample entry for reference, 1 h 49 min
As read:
5 h 46 min
